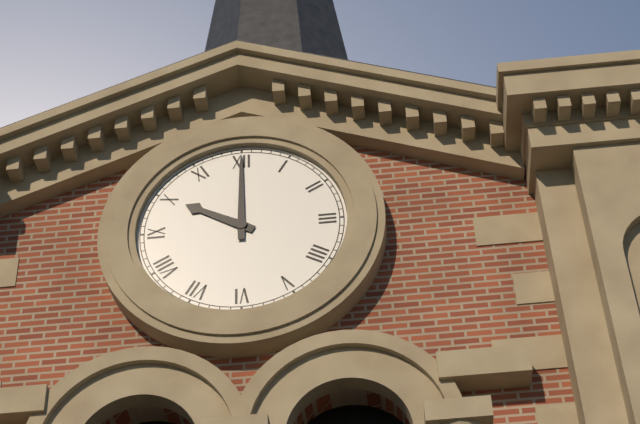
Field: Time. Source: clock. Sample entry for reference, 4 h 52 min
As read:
10 h 00 min
